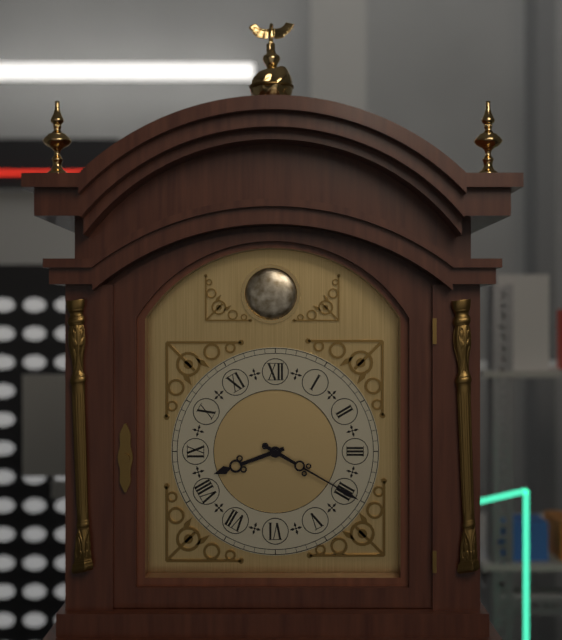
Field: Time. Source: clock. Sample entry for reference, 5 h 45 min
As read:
8 h 20 min
